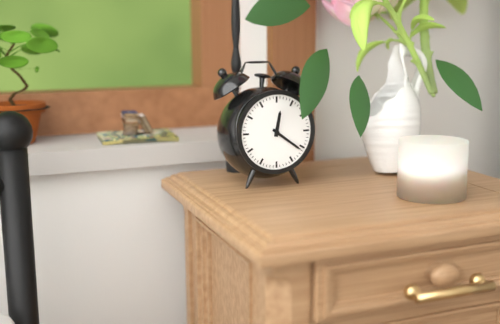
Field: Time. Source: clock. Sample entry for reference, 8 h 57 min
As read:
12 h 21 min
